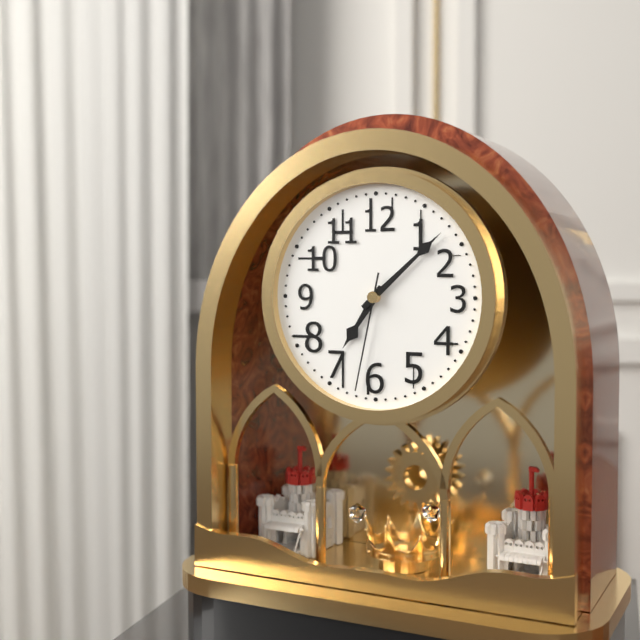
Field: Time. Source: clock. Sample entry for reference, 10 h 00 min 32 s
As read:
7 h 08 min 32 s
